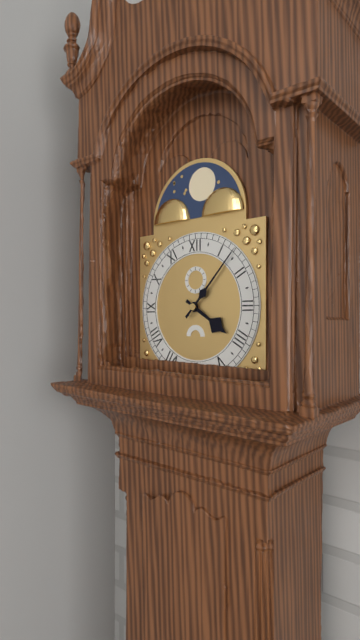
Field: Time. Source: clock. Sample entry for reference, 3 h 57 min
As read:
4 h 07 min
